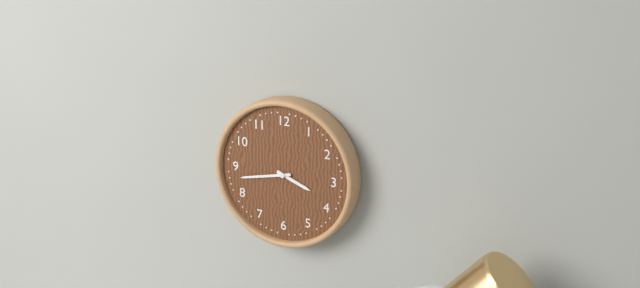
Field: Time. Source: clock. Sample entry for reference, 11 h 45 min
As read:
3 h 43 min
